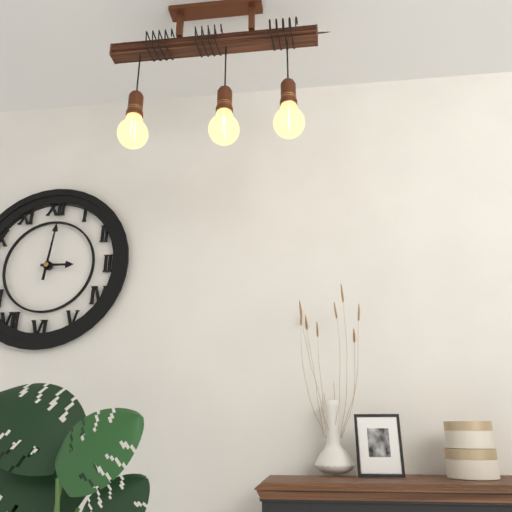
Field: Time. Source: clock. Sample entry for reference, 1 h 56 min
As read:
3 h 01 min
